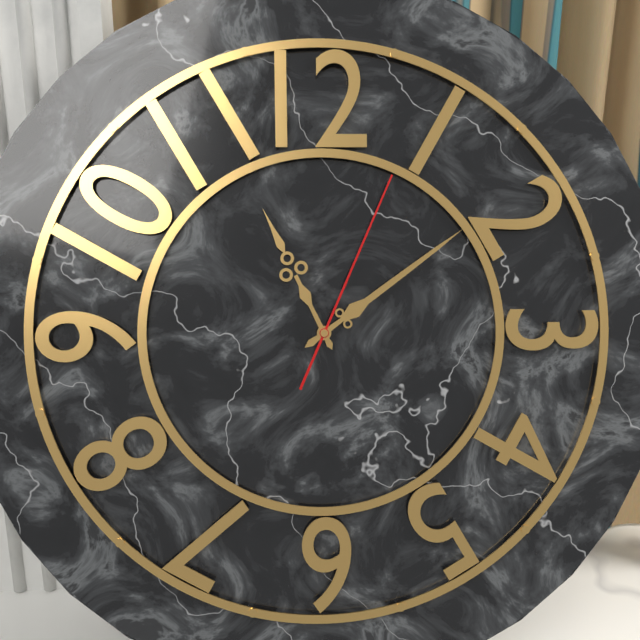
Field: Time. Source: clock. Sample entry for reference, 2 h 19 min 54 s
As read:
11 h 09 min 04 s
